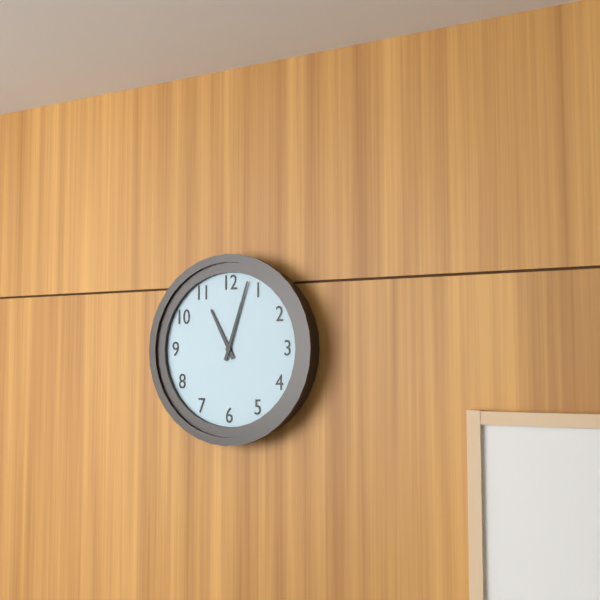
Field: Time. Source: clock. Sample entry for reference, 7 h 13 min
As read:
11 h 03 min
